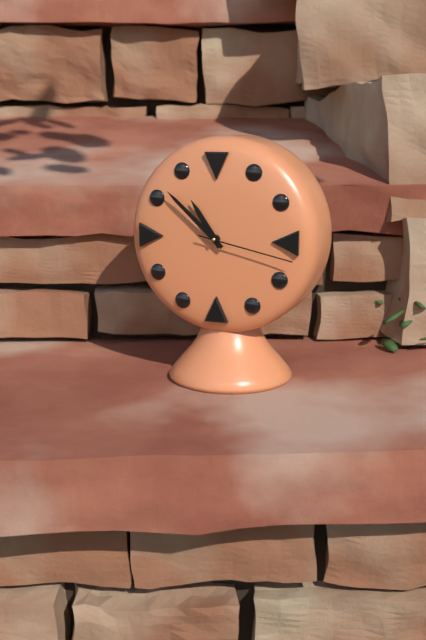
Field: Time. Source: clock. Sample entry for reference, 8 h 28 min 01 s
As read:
10 h 52 min 17 s
